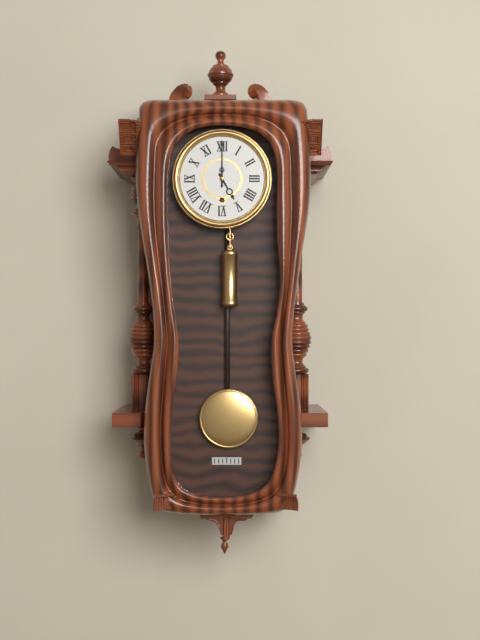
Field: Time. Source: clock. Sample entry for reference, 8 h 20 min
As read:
5 h 00 min
